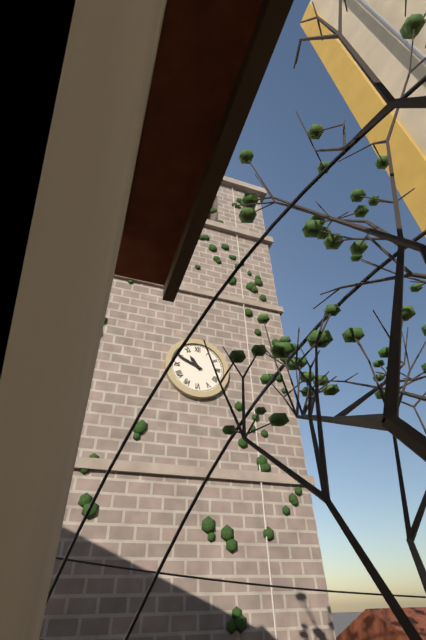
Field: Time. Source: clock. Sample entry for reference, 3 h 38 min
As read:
10 h 49 min
